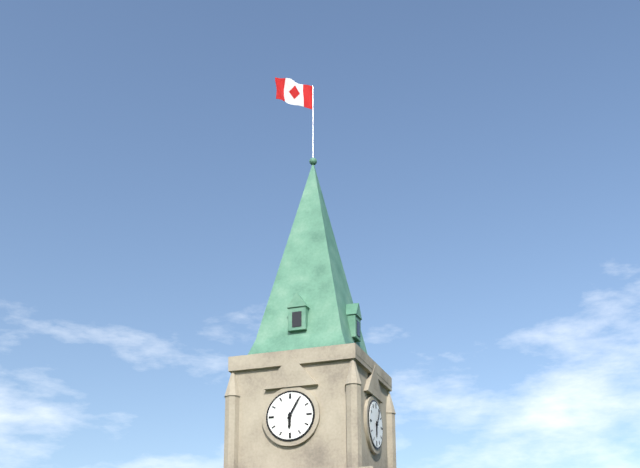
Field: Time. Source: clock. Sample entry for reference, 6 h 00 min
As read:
6 h 05 min
